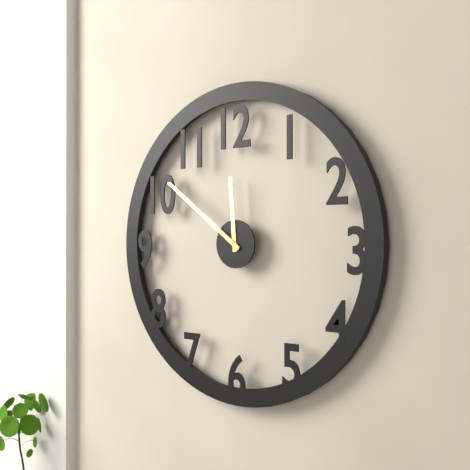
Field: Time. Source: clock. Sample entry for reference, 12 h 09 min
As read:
11 h 51 min
